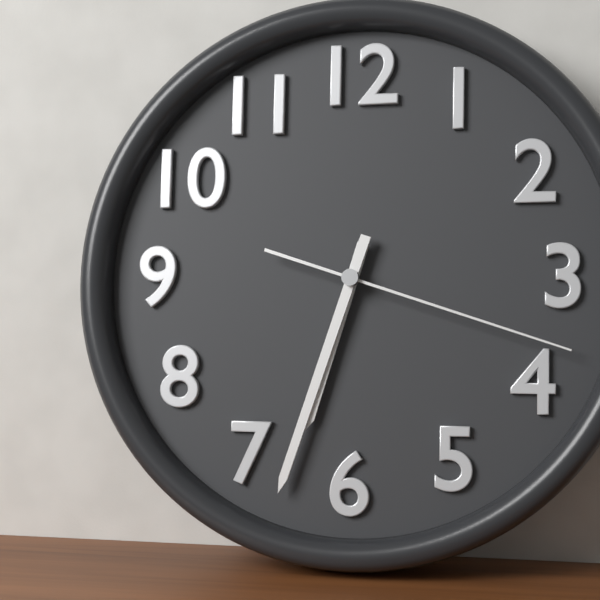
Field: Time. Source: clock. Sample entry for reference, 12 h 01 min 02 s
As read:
6 h 33 min 18 s
